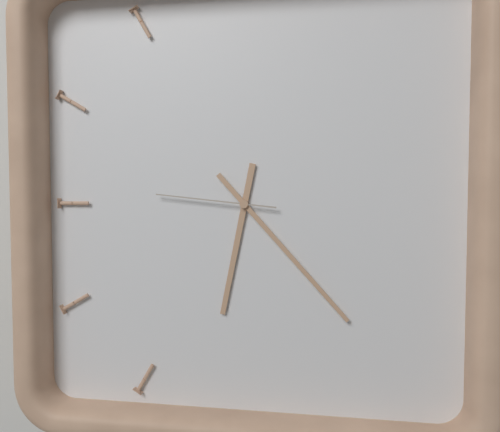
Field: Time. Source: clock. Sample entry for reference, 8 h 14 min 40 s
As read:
6 h 23 min 46 s
